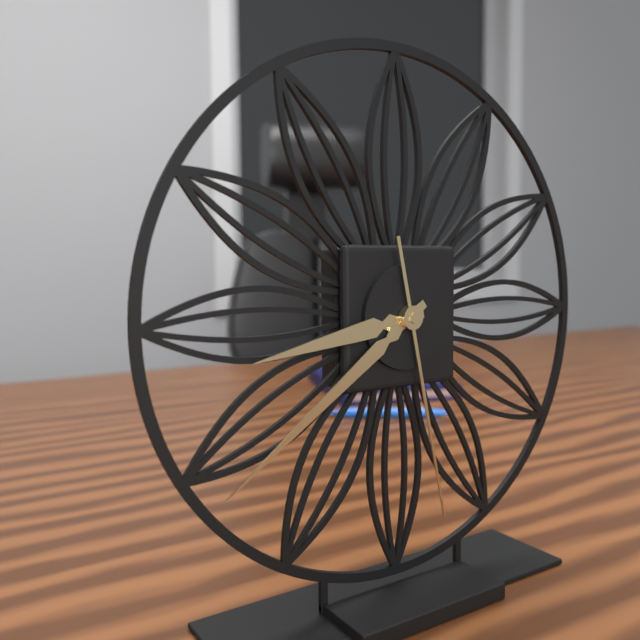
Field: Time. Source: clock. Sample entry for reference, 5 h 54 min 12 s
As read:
8 h 39 min 28 s
